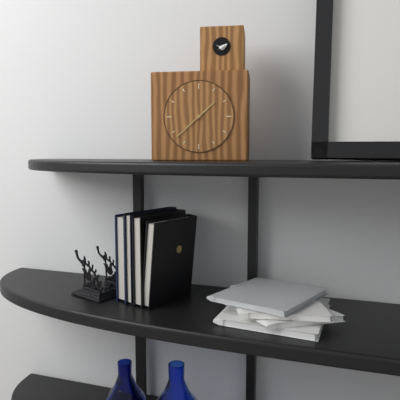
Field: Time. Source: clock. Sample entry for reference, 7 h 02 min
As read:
1 h 38 min
